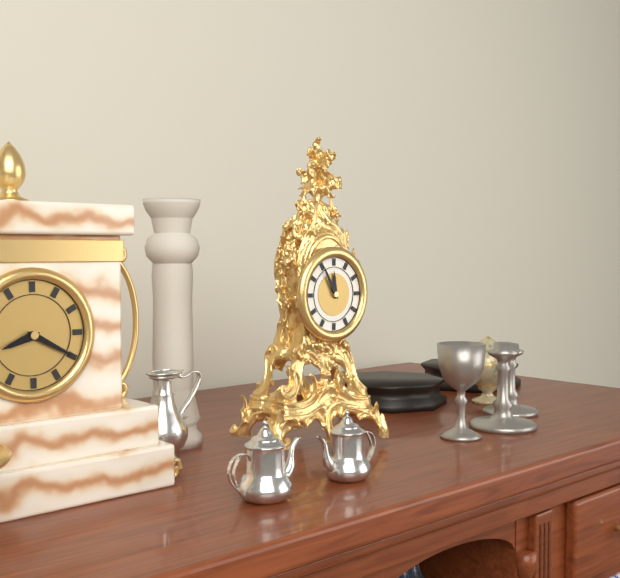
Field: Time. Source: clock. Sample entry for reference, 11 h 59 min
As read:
11 h 55 min
